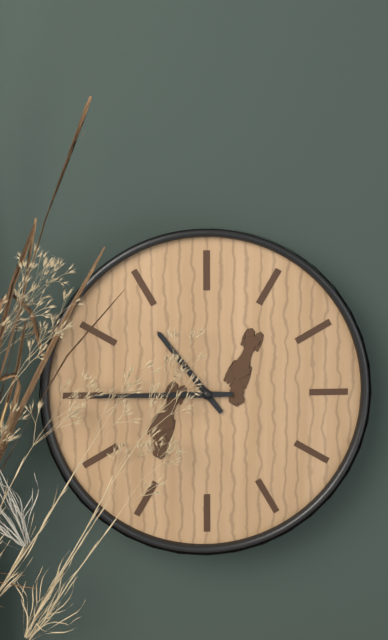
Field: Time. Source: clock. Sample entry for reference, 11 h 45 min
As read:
10 h 45 min
